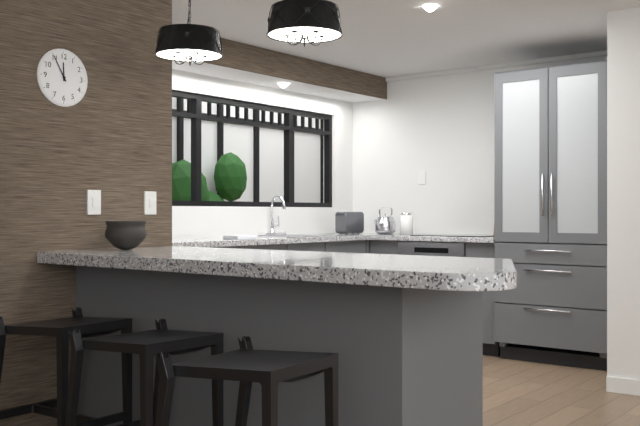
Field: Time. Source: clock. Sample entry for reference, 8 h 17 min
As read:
11 h 55 min
